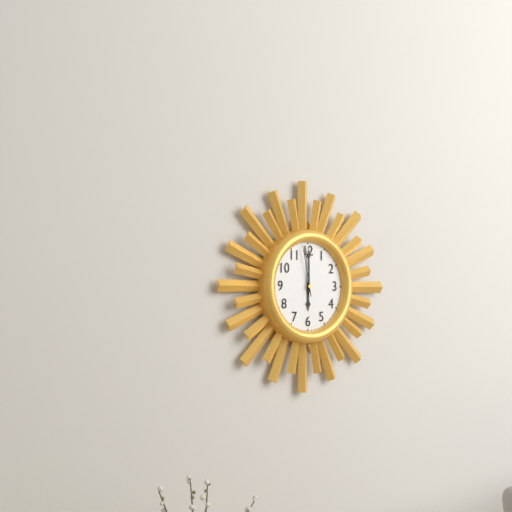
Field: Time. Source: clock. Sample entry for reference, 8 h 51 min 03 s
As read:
6 h 00 min 58 s
